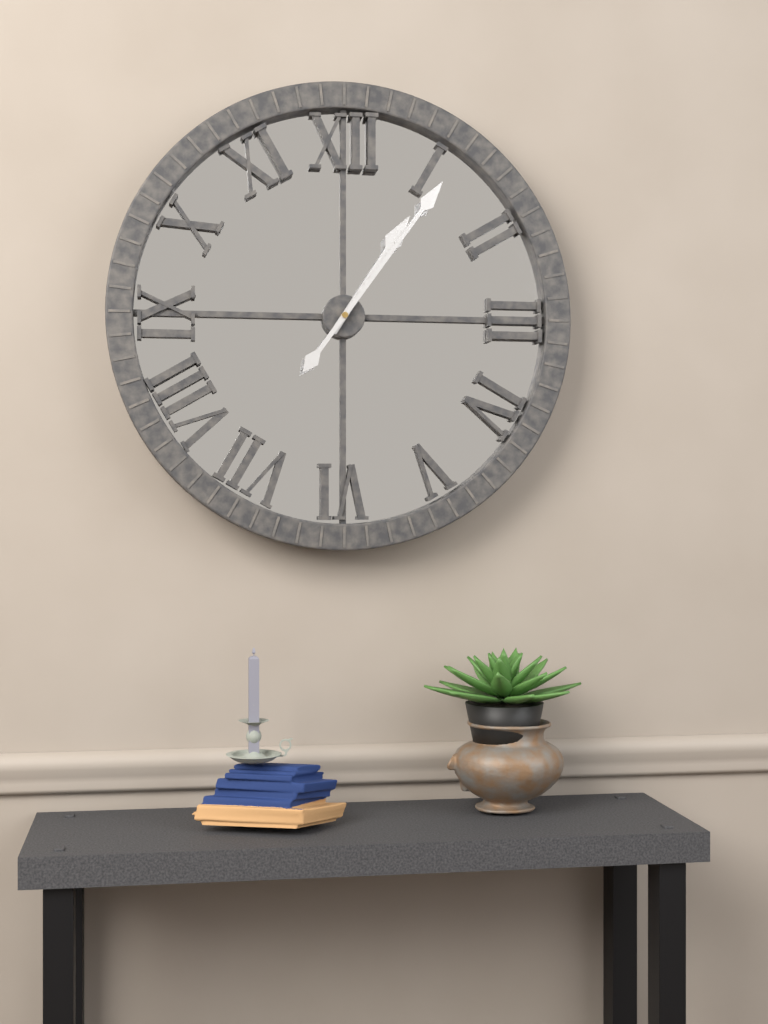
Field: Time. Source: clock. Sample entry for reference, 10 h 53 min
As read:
1 h 06 min
